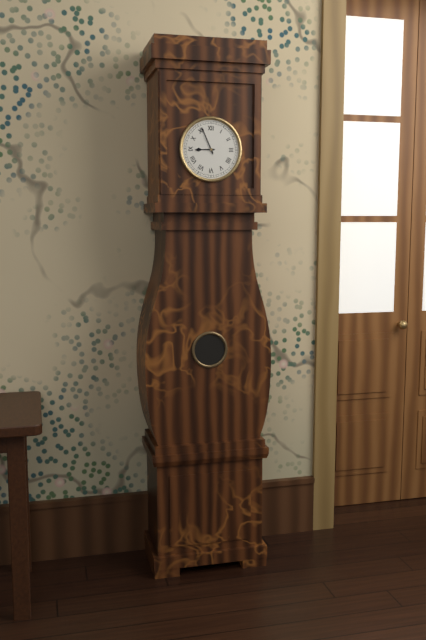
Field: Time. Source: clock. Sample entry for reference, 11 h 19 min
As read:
8 h 56 min
